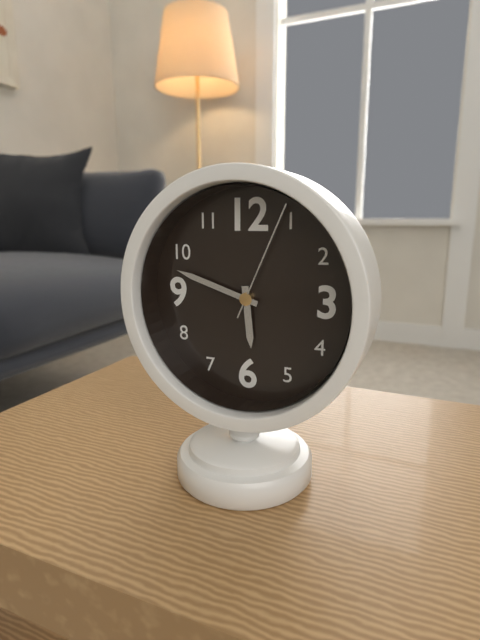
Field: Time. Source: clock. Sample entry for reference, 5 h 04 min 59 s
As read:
5 h 48 min 04 s
